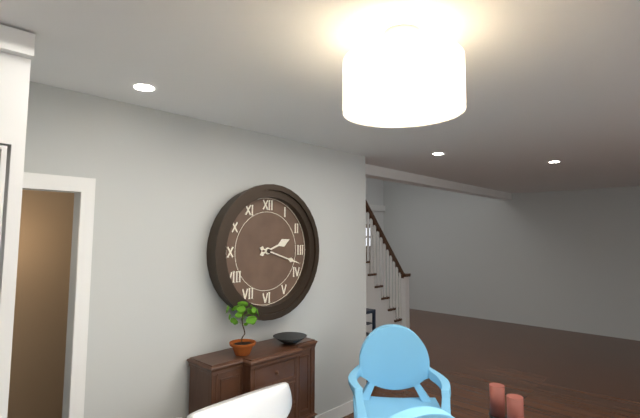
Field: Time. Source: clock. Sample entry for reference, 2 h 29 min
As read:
2 h 18 min
